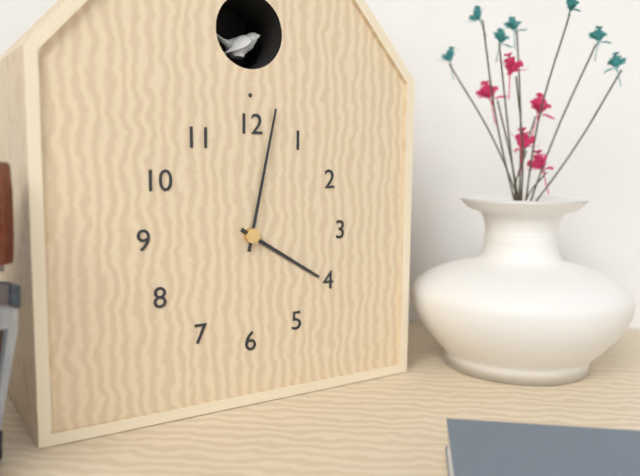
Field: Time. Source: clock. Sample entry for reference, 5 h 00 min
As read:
4 h 02 min
